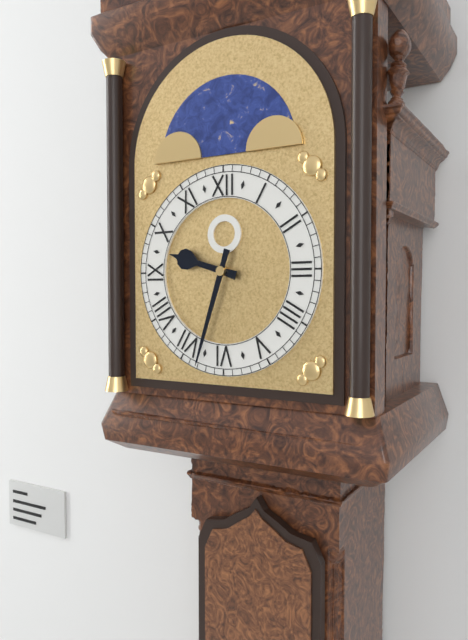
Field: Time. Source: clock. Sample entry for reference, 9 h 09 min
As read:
9 h 33 min
